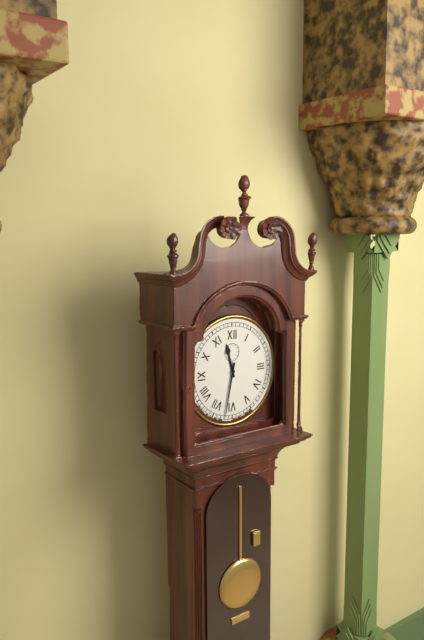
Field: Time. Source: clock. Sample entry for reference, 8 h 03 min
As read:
11 h 32 min
